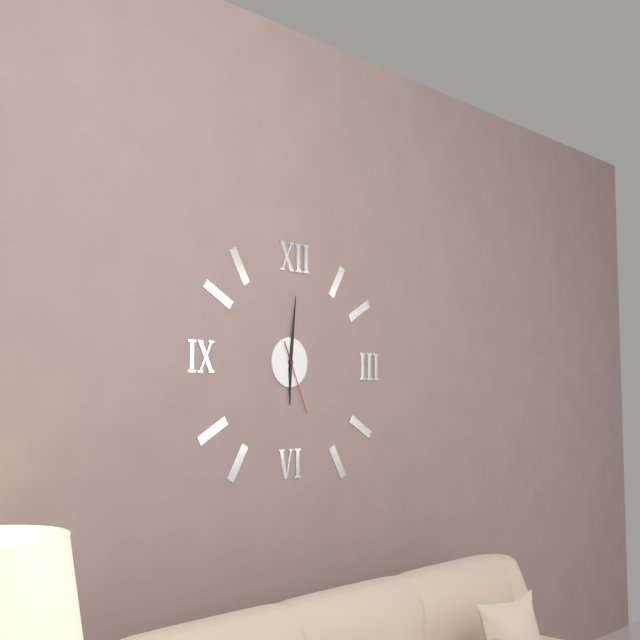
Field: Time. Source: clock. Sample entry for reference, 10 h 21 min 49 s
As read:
6 h 01 min 26 s
